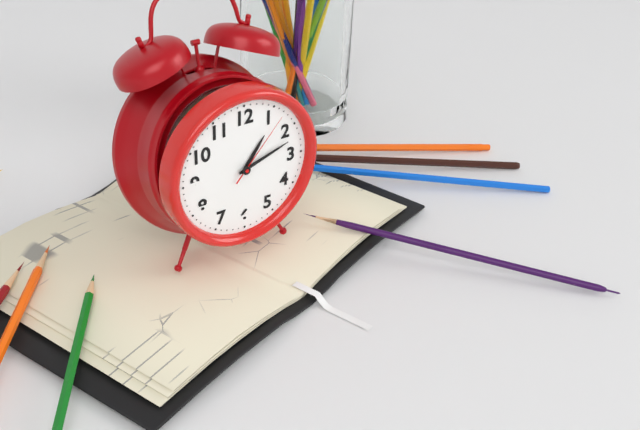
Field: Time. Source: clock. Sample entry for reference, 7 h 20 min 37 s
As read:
1 h 12 min 07 s
